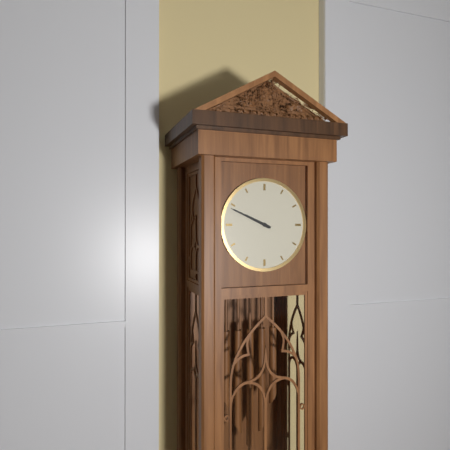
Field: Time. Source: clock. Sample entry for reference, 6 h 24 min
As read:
9 h 49 min
